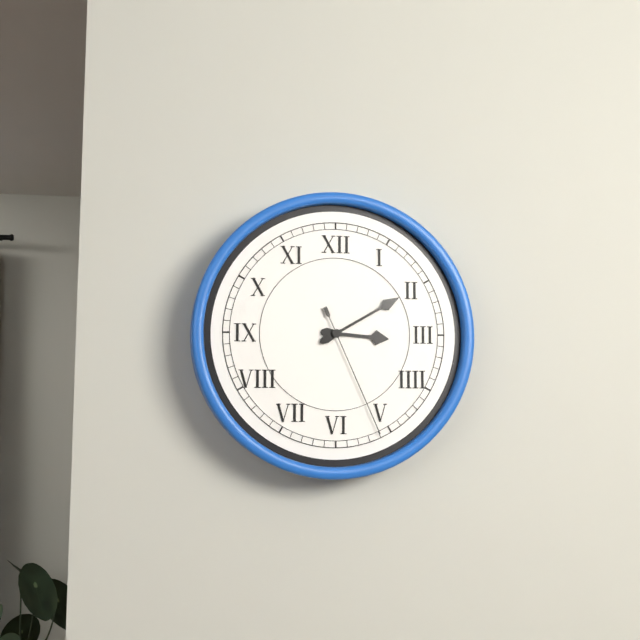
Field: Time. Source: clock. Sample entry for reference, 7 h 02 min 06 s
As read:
3 h 10 min 26 s
